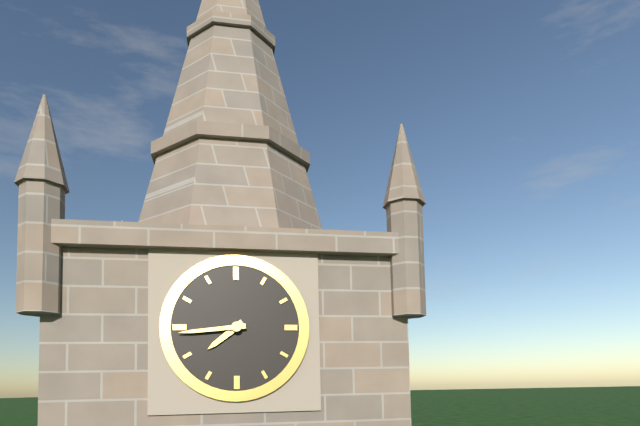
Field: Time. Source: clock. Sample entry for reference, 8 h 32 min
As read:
7 h 44 min
